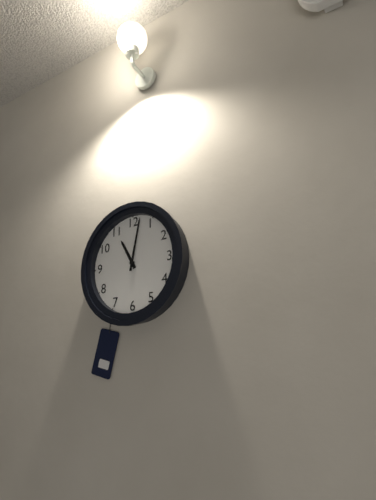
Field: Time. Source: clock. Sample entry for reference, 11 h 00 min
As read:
11 h 02 min
